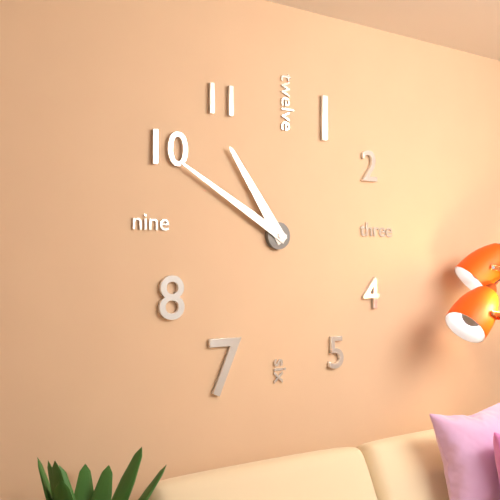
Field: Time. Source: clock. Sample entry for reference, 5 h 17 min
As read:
10 h 50 min
